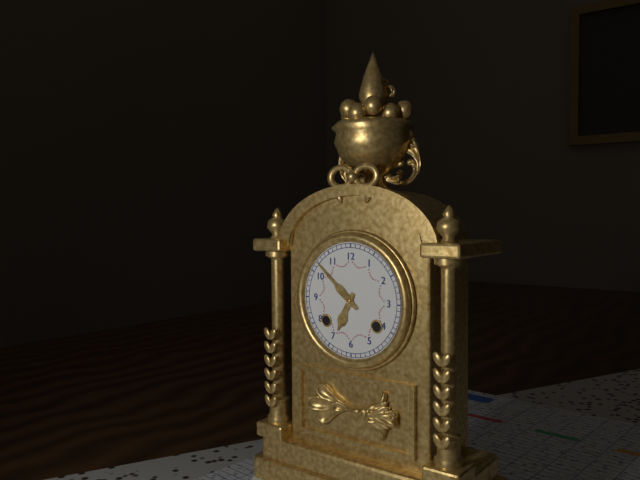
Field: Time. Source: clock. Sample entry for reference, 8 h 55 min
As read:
6 h 52 min
